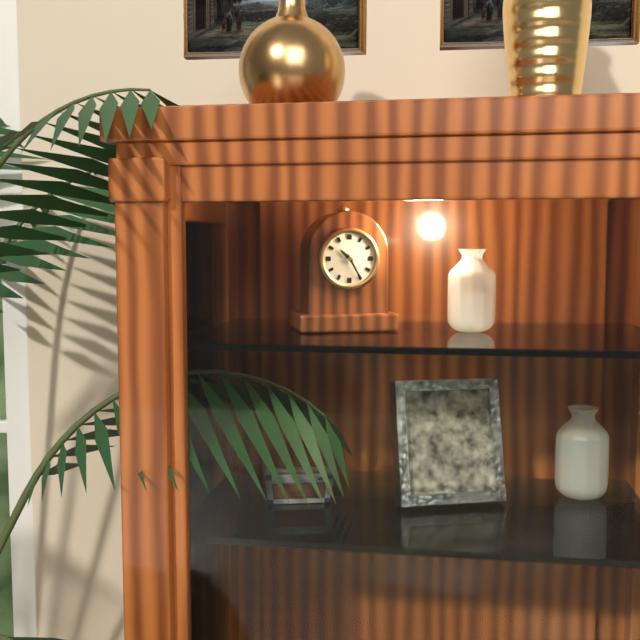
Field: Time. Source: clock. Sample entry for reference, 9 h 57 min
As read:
10 h 25 min
